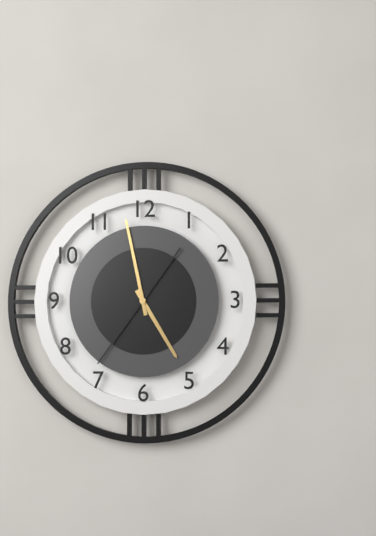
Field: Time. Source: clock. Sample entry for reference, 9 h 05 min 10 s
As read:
4 h 58 min 36 s
